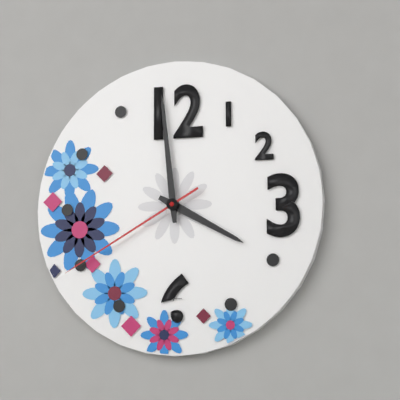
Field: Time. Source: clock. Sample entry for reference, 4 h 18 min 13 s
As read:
3 h 59 min 40 s
